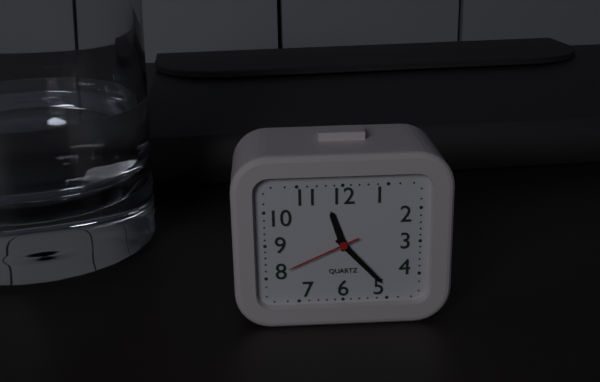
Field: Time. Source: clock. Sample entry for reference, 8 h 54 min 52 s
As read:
11 h 23 min 41 s
